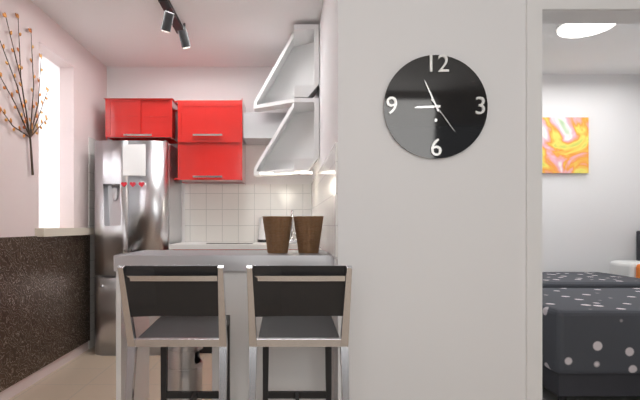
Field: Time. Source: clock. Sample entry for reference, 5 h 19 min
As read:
8 h 56 min
